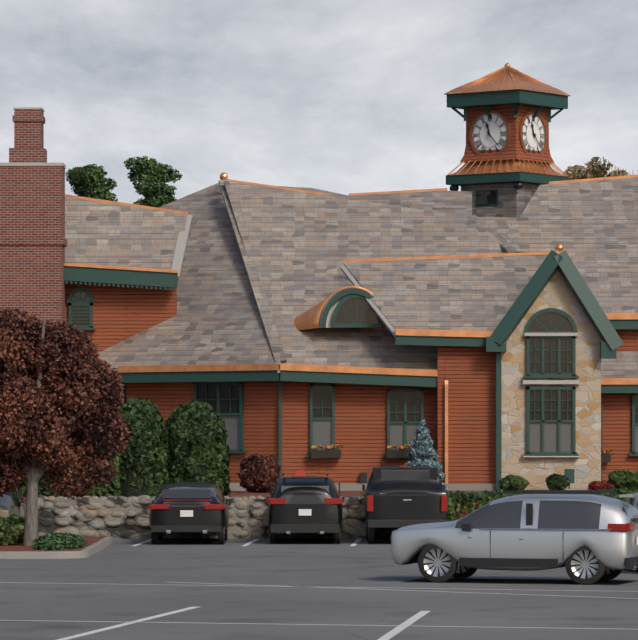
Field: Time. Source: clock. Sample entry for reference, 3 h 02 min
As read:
11 h 23 min
